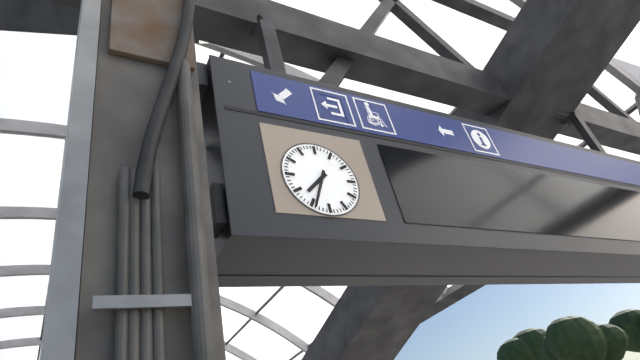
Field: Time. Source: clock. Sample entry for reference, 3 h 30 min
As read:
7 h 34 min
